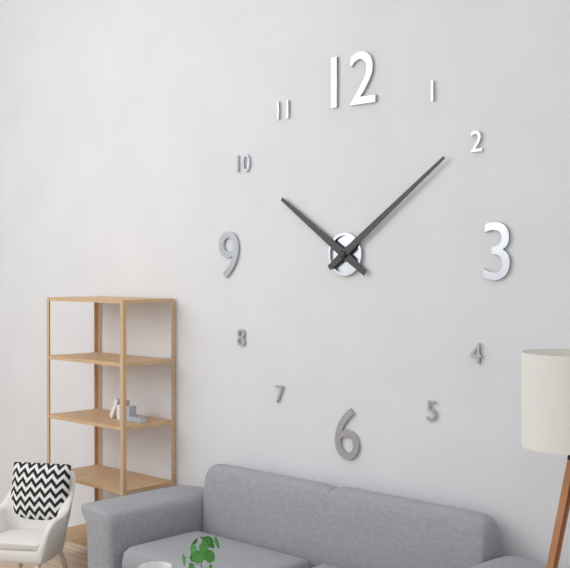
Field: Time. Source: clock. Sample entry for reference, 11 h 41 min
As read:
10 h 09 min
